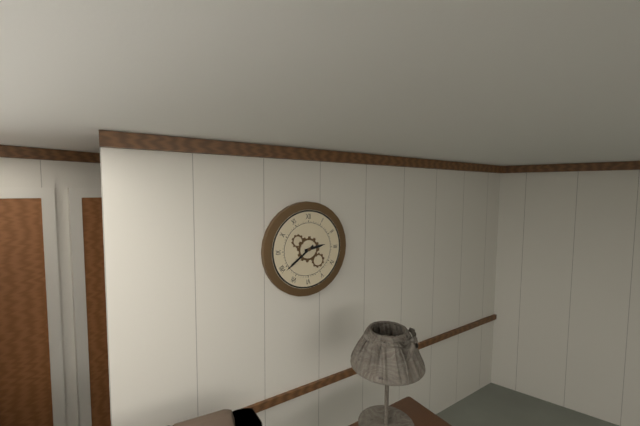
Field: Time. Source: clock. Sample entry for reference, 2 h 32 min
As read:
2 h 39 min
